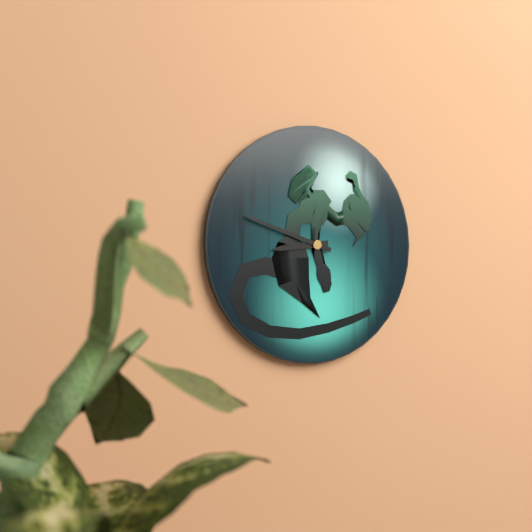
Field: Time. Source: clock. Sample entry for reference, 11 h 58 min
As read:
8 h 48 min
